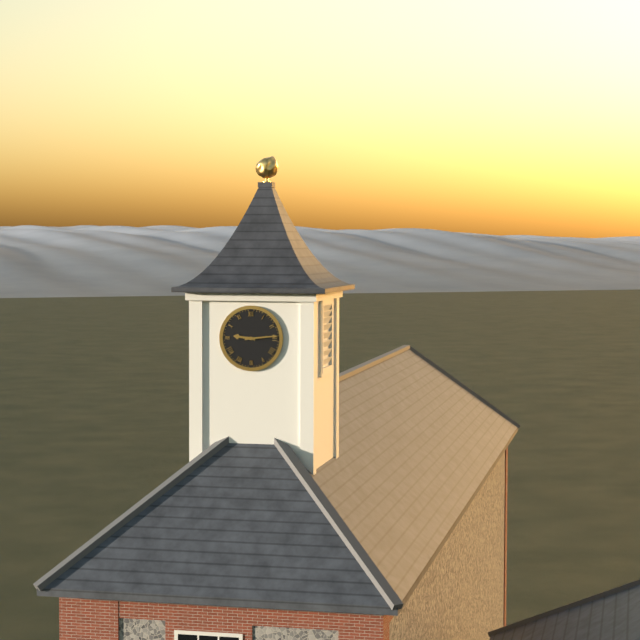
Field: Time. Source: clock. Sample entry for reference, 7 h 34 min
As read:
9 h 14 min
